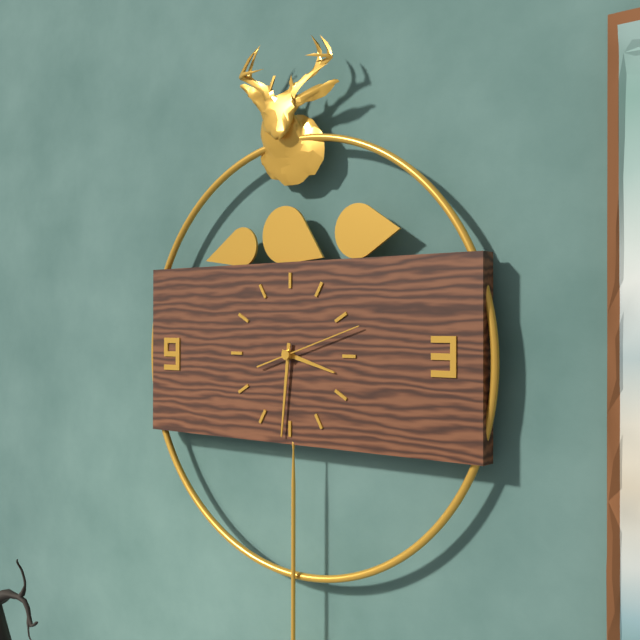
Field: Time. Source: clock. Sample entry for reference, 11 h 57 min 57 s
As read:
3 h 31 min 12 s
